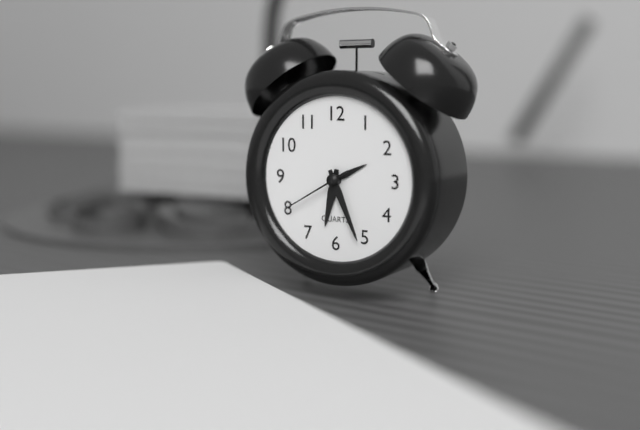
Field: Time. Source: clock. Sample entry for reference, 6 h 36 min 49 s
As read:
6 h 26 min 40 s
